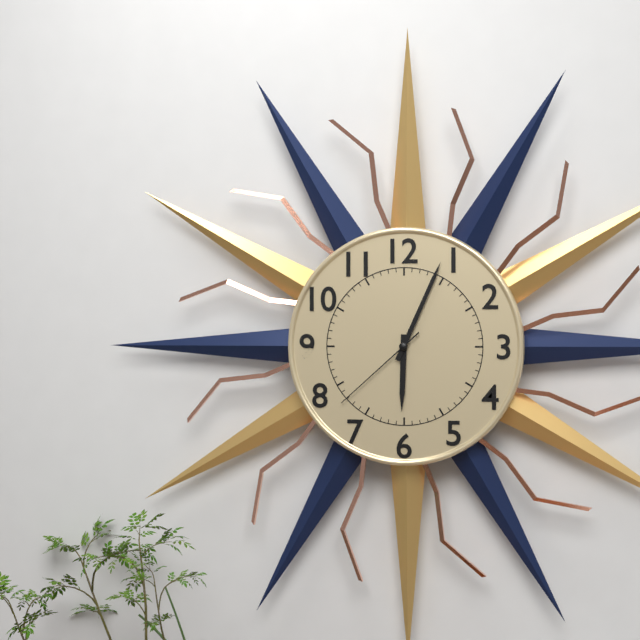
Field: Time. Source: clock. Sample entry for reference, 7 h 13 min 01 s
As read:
6 h 04 min 38 s
